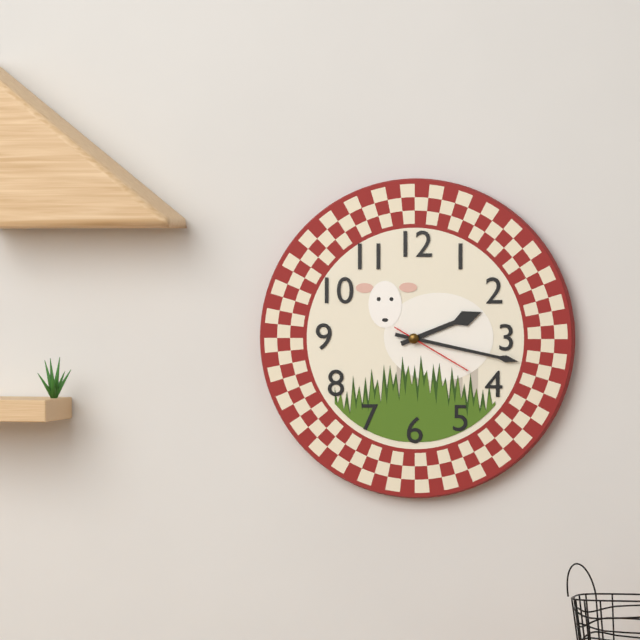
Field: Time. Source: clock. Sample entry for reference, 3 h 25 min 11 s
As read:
2 h 17 min 20 s
